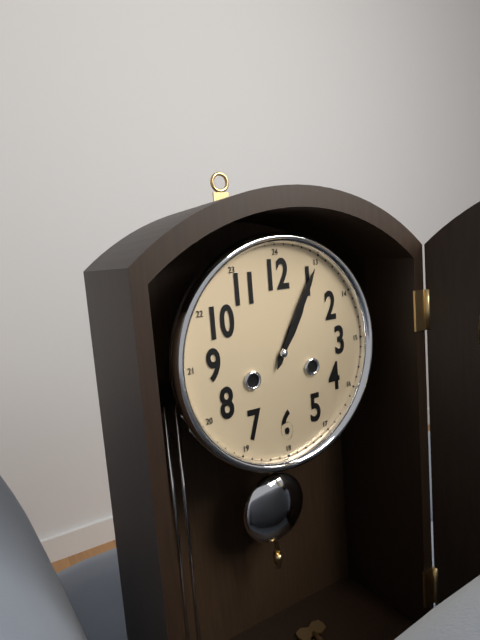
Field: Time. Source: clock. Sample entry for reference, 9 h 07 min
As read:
1 h 05 min
